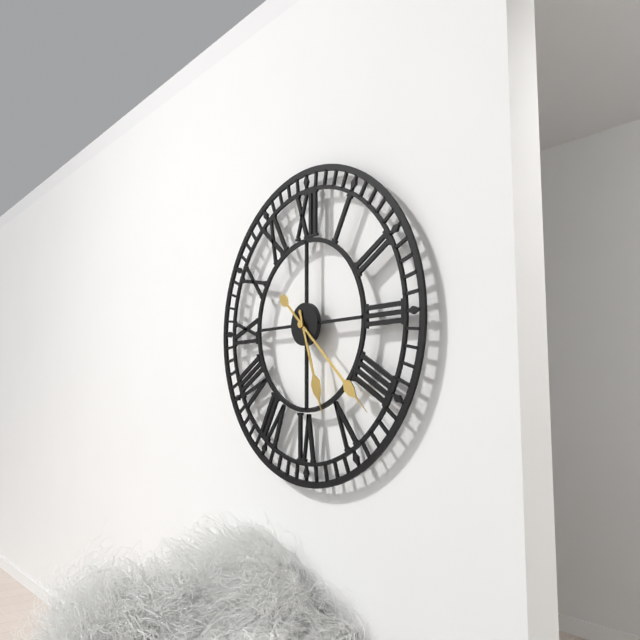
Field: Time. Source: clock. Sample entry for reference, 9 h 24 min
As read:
5 h 22 min
